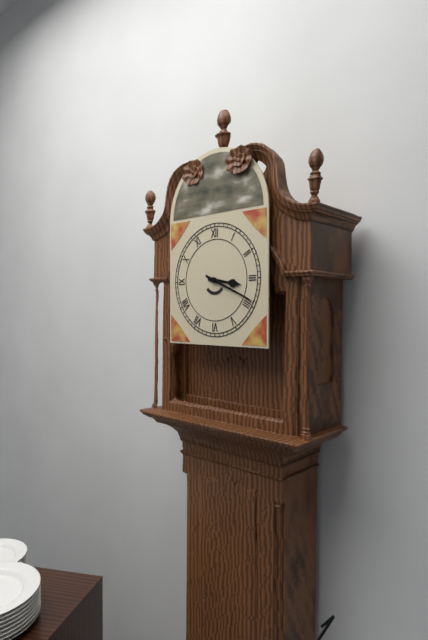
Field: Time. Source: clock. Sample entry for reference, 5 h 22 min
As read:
3 h 19 min
